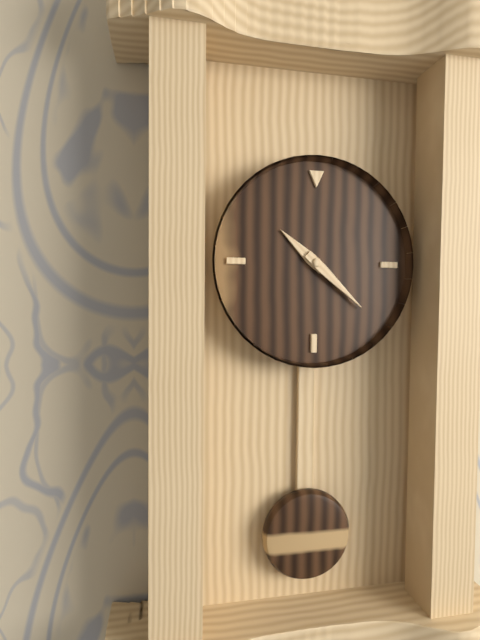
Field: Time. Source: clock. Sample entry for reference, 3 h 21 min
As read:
10 h 22 min
